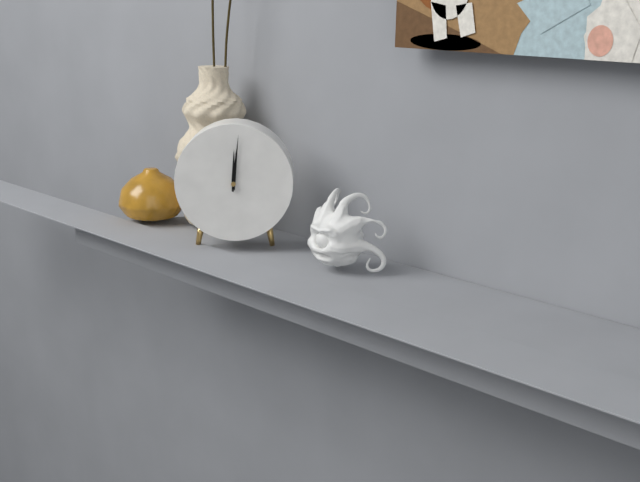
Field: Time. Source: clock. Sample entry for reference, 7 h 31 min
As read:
12 h 01 min
